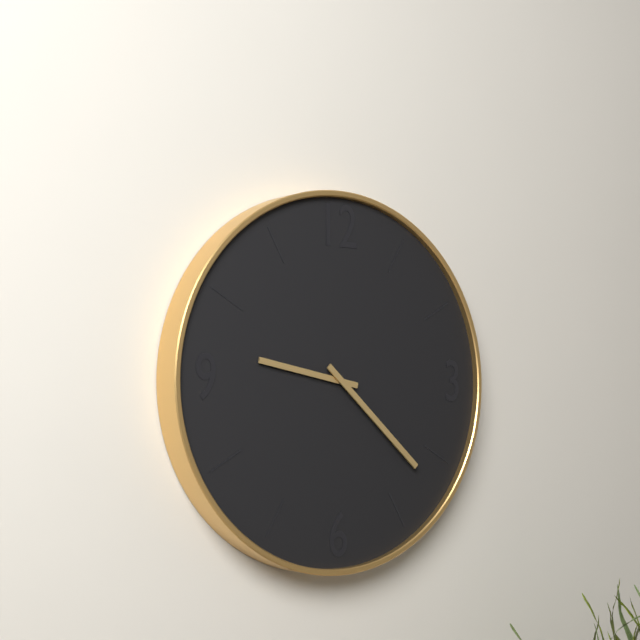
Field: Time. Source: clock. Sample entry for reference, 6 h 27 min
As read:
9 h 22 min
